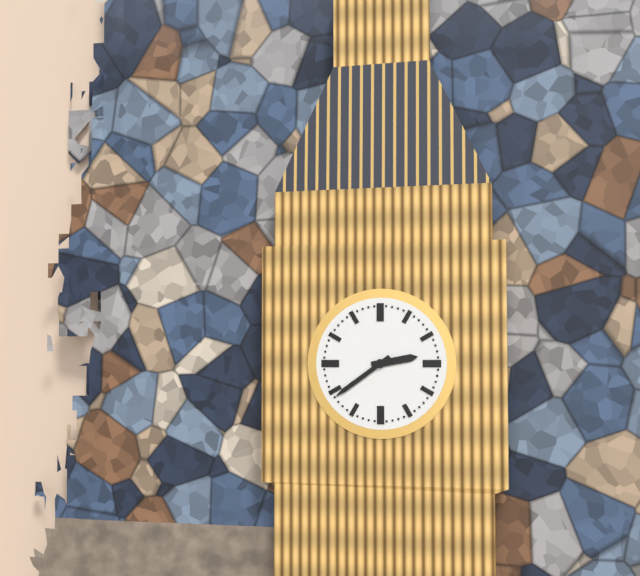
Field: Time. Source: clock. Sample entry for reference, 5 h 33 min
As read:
2 h 39 min
